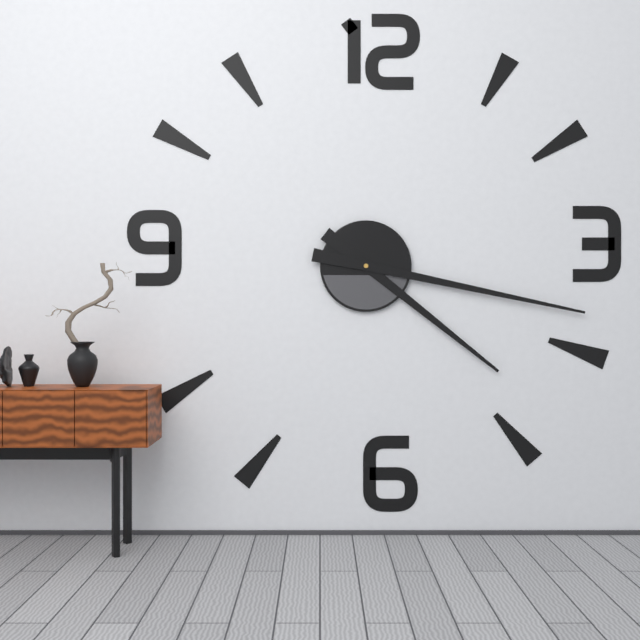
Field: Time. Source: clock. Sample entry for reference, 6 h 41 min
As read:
4 h 17 min
